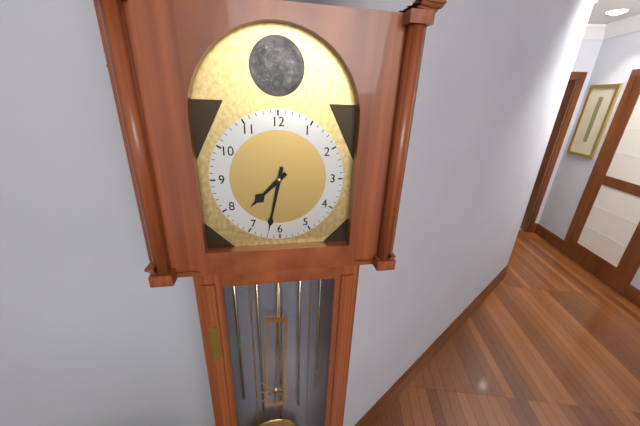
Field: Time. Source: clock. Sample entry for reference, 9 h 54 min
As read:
7 h 32 min
